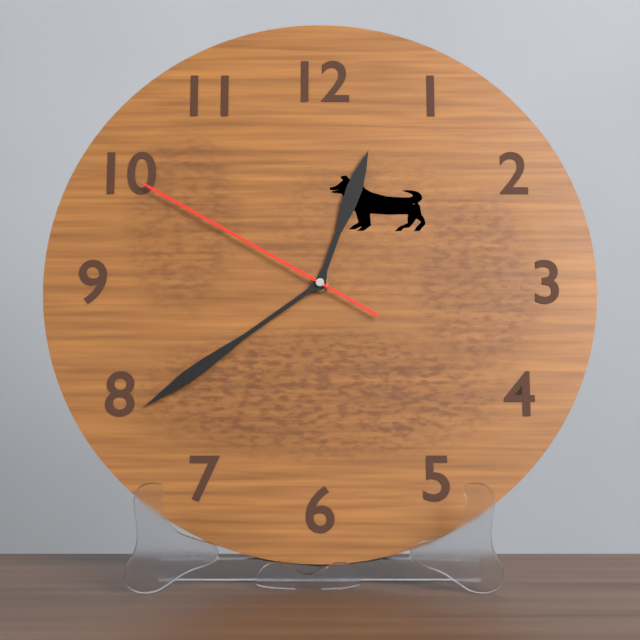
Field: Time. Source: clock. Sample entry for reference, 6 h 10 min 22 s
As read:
12 h 39 min 50 s
